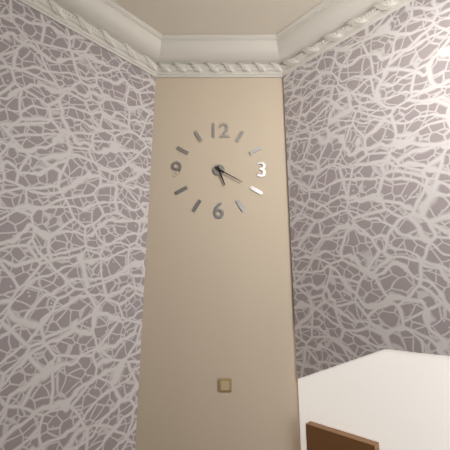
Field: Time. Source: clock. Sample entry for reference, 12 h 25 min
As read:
5 h 20 min
